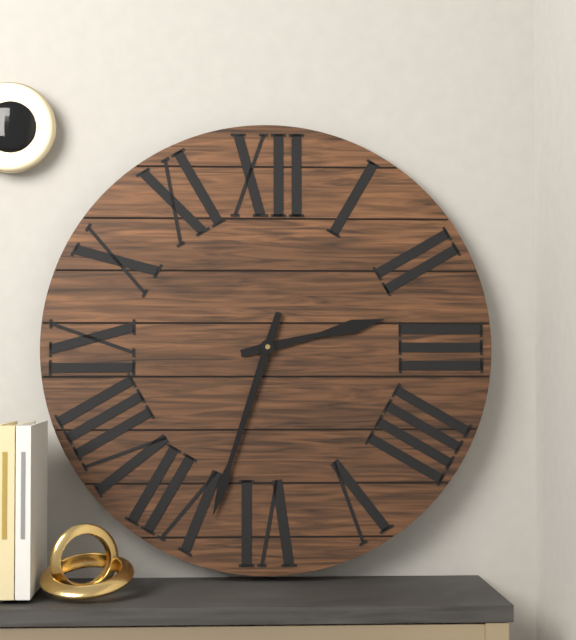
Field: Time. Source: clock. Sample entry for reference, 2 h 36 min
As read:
2 h 33 min
